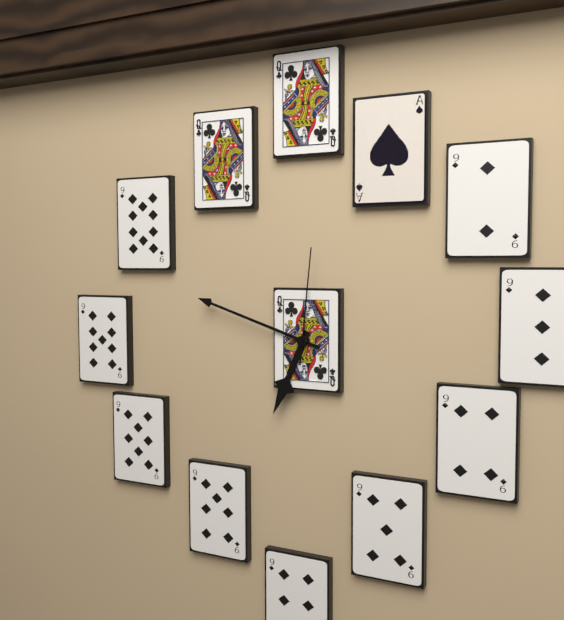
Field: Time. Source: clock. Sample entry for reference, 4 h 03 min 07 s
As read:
6 h 48 min 01 s
